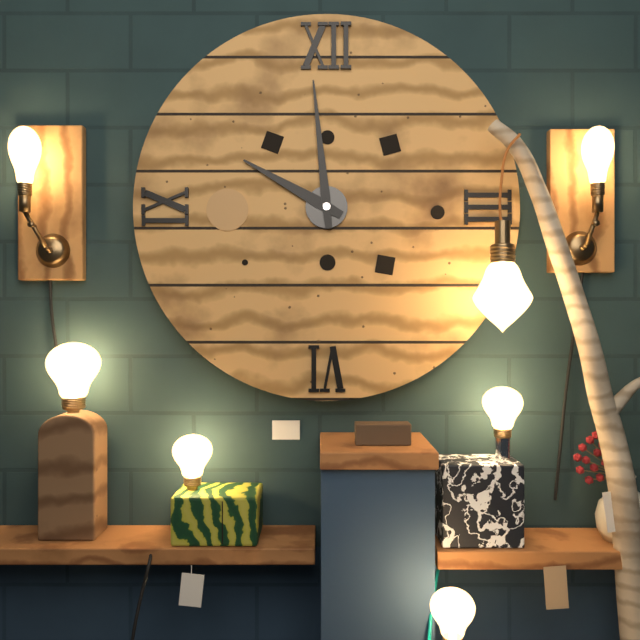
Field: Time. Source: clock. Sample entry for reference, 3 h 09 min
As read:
9 h 59 min
